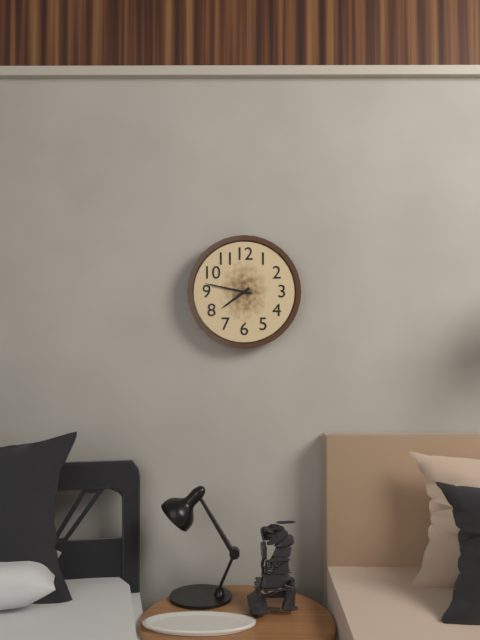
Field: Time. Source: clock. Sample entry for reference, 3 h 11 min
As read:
7 h 47 min
